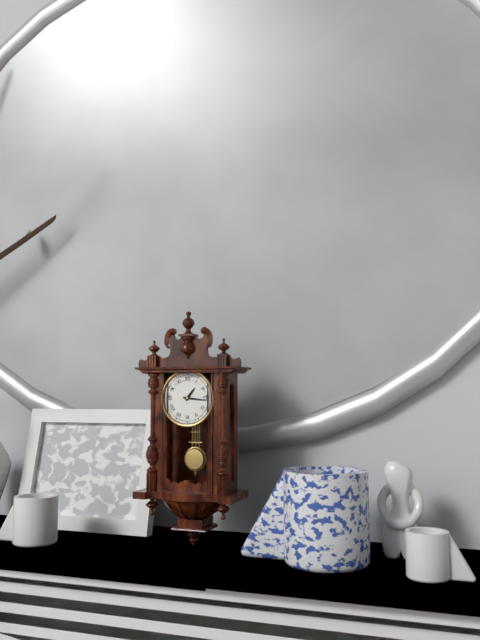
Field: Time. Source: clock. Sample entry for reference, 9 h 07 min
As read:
1 h 16 min
